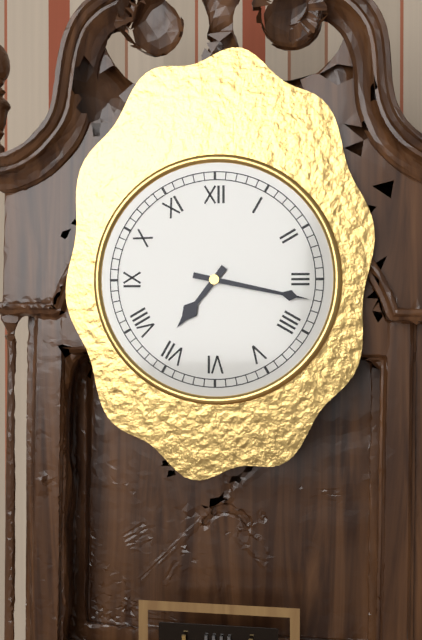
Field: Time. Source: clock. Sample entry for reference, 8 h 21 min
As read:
7 h 17 min
